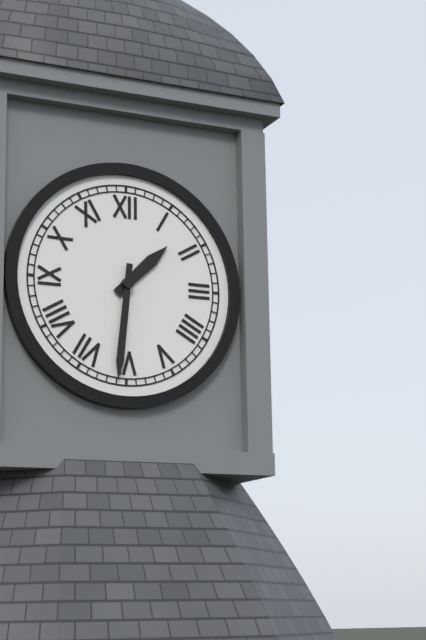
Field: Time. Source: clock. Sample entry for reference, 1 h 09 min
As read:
1 h 31 min
